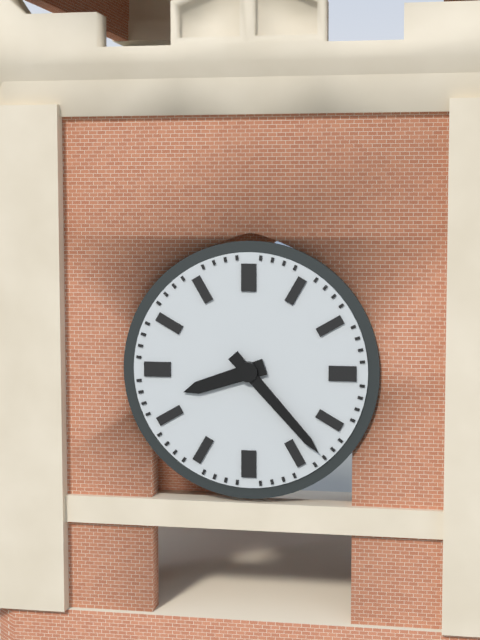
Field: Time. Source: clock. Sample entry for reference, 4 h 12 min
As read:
8 h 23 min
